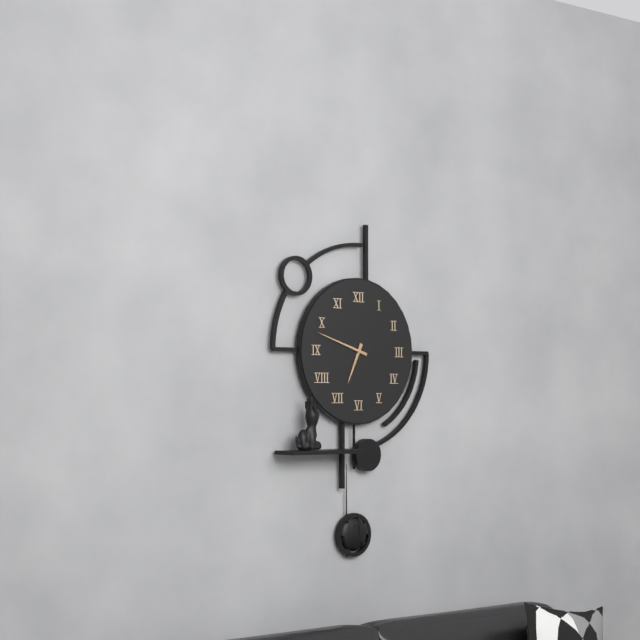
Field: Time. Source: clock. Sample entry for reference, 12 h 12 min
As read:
6 h 48 min
